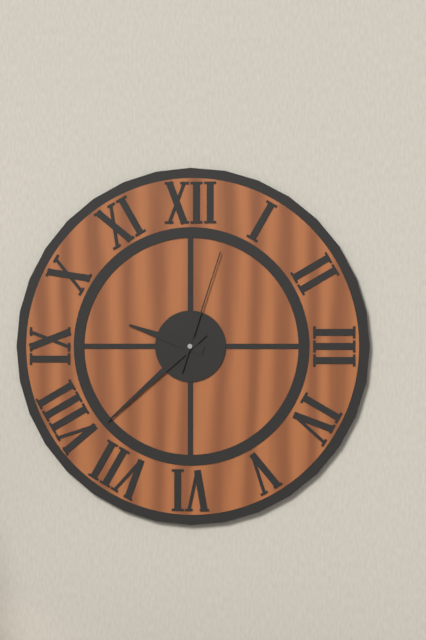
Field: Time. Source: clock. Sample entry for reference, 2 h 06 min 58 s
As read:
9 h 38 min 03 s
